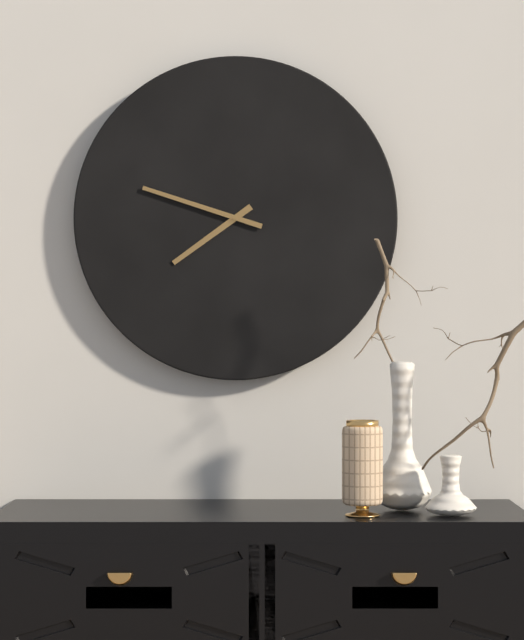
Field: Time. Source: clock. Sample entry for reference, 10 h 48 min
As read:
7 h 48 min
